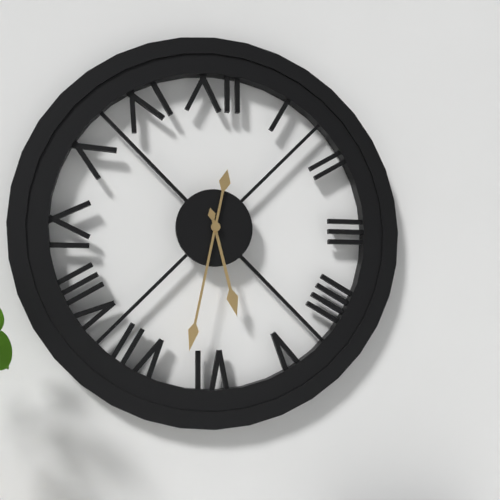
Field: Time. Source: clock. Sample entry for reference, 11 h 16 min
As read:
5 h 32 min
